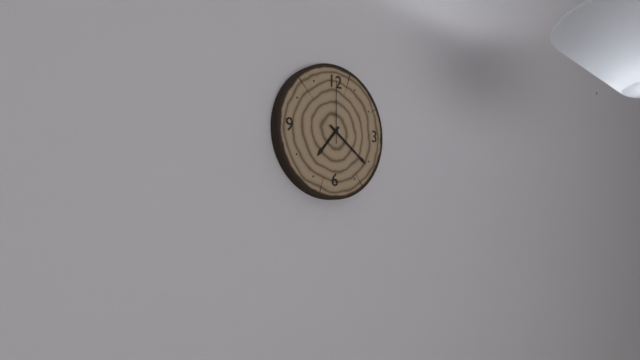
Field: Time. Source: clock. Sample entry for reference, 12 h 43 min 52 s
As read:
7 h 21 min 00 s
